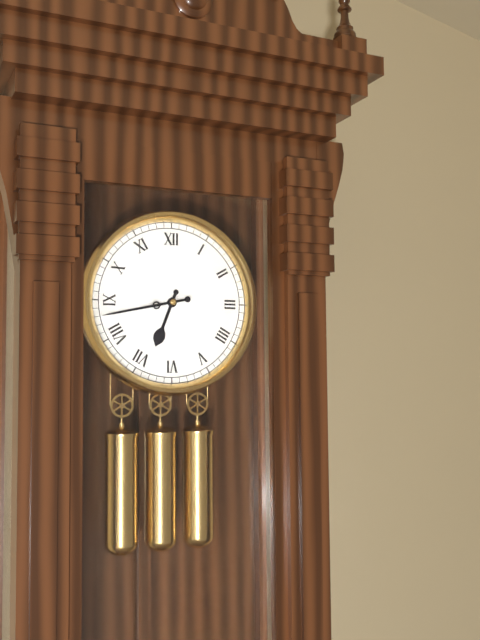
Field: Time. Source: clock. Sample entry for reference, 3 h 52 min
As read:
6 h 43 min
